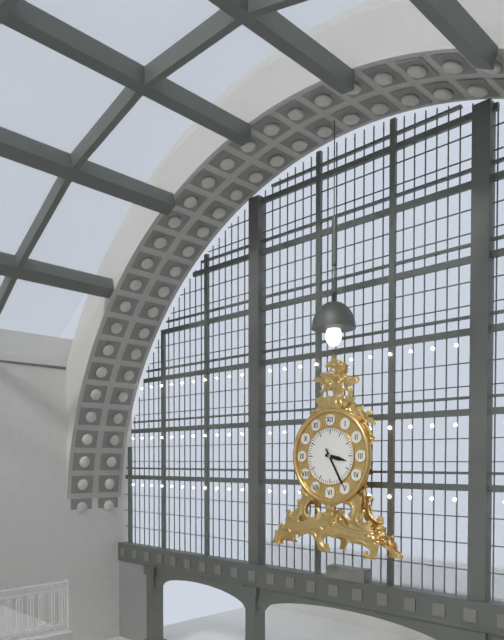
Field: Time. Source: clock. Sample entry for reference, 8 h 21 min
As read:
3 h 25 min
